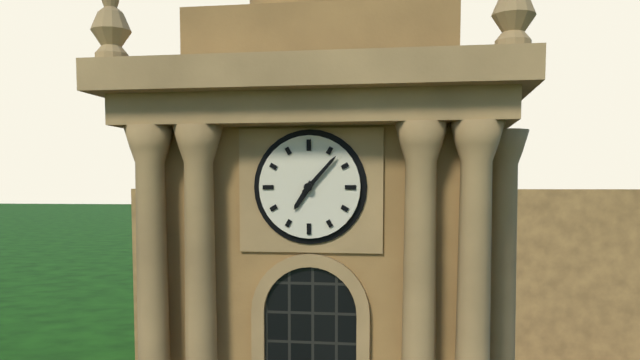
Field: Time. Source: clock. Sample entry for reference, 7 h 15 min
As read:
7 h 07 min
